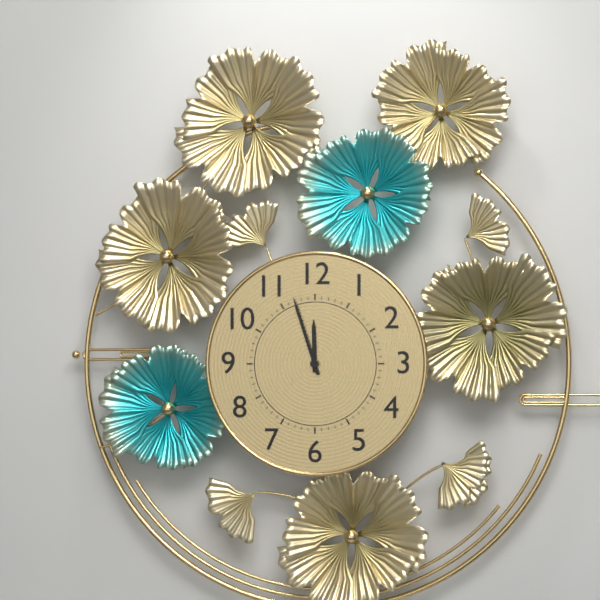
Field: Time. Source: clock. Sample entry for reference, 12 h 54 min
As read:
11 h 57 min
